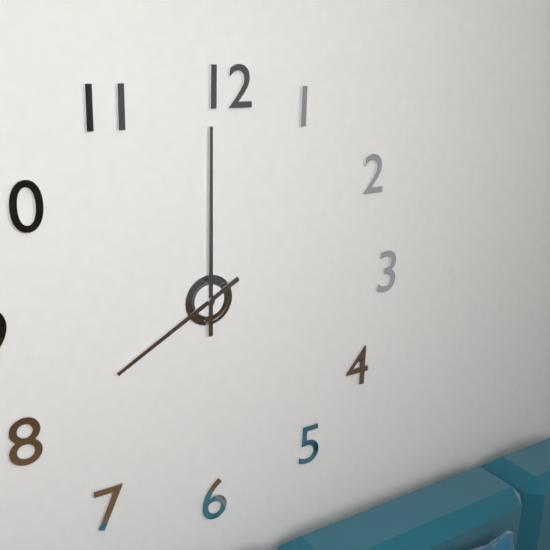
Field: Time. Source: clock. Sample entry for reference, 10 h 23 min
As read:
8 h 00 min
